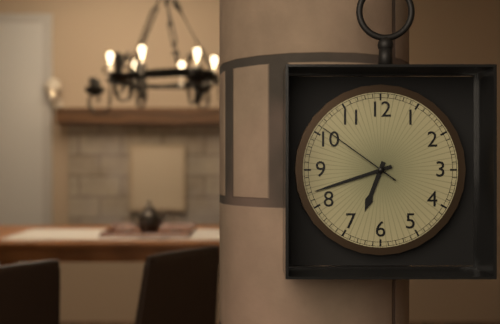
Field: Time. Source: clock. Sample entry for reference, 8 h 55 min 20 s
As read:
6 h 42 min 51 s
